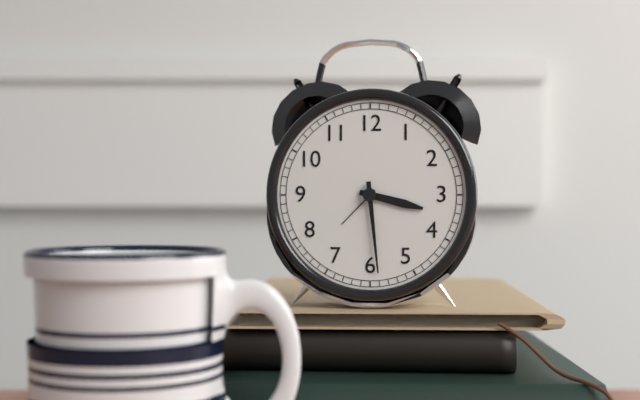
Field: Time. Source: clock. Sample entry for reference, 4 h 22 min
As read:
3 h 29 min
